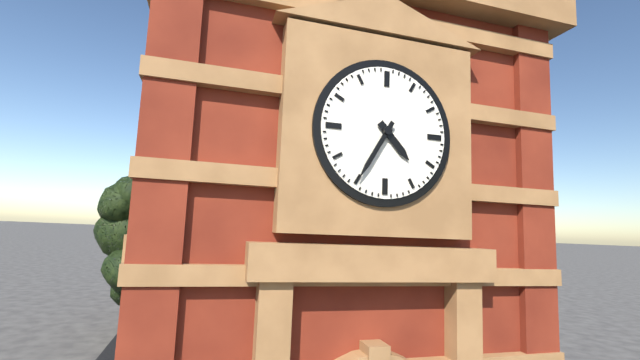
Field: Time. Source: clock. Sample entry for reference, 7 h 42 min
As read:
4 h 35 min
